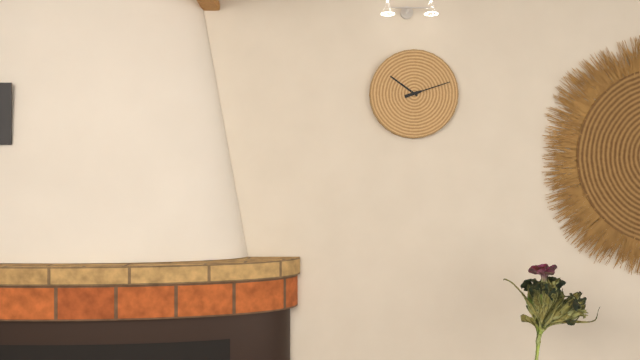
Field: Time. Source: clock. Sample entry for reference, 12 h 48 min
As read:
10 h 12 min
